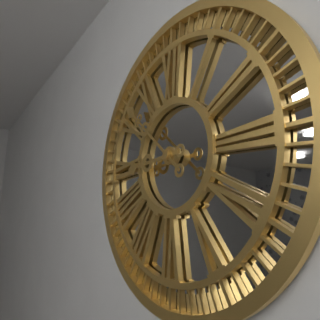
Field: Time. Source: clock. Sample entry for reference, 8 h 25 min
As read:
8 h 52 min
